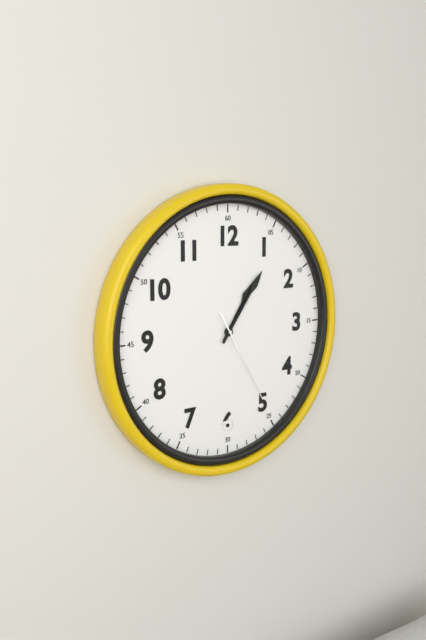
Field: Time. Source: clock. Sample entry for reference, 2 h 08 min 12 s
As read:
1 h 06 min 25 s
